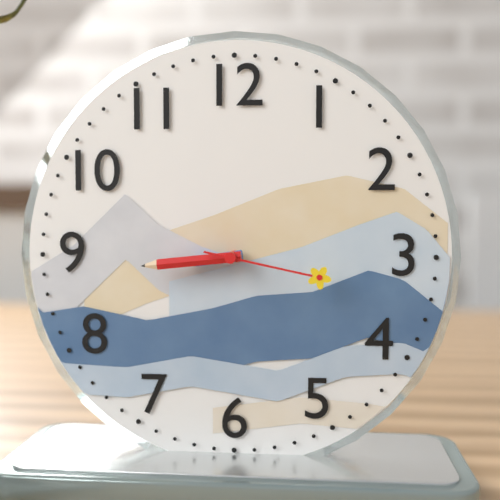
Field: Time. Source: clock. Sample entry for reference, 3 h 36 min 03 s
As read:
8 h 44 min 17 s
